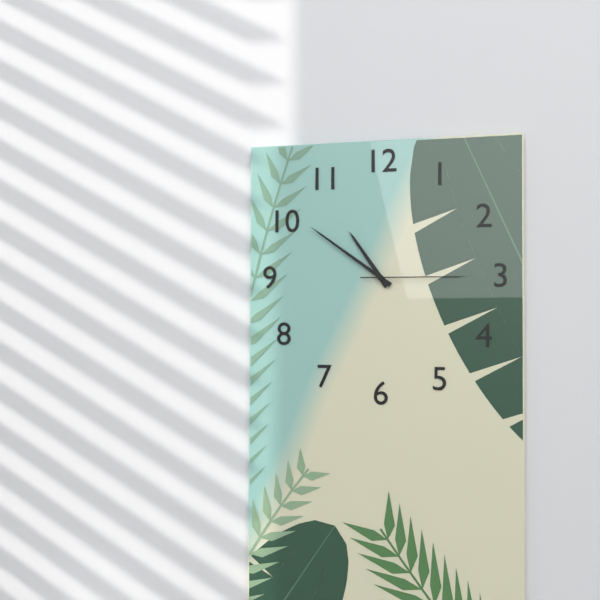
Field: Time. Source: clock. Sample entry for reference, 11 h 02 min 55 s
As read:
10 h 51 min 15 s
